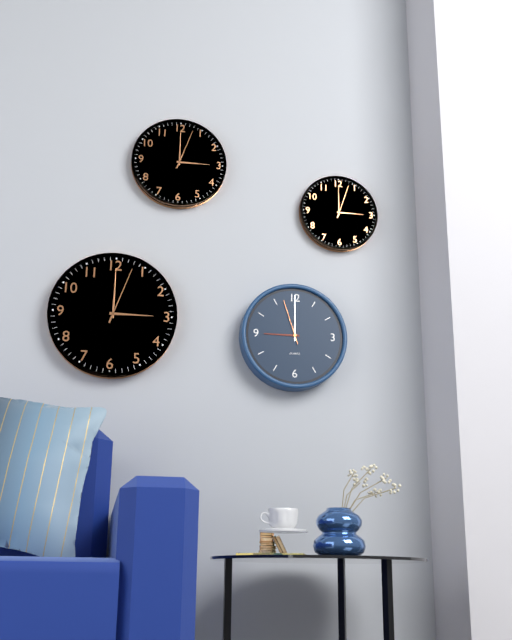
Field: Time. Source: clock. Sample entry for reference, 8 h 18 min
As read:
9 h 00 min
